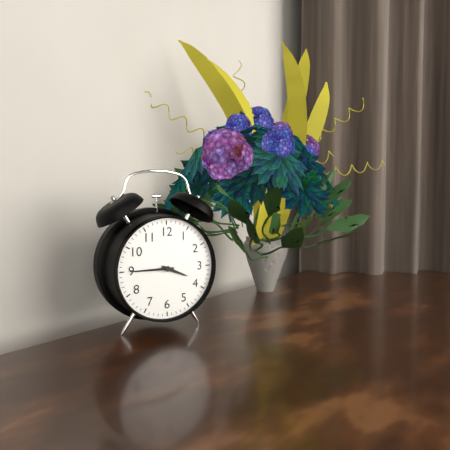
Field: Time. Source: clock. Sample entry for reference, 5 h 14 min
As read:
3 h 45 min
